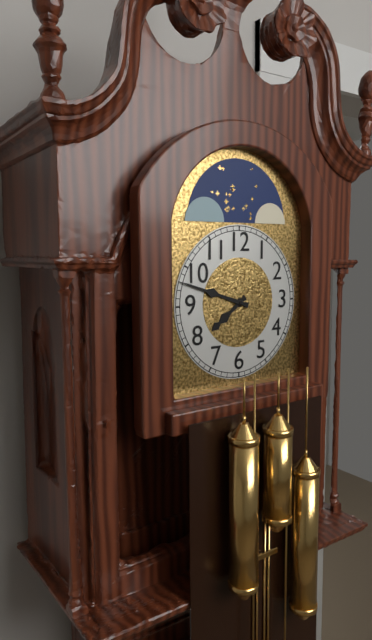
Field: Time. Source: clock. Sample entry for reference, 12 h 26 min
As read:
7 h 48 min
